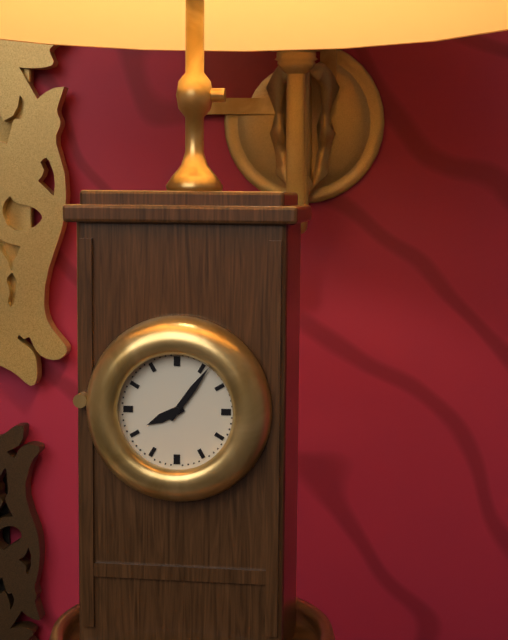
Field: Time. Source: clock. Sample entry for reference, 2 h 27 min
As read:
8 h 06 min
